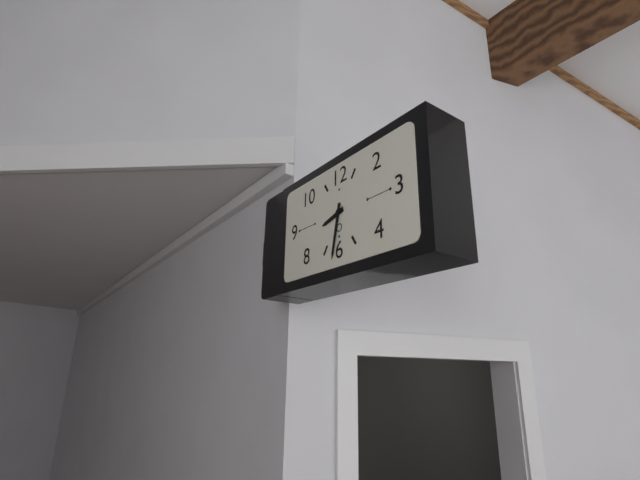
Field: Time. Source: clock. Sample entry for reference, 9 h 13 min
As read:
8 h 32 min
